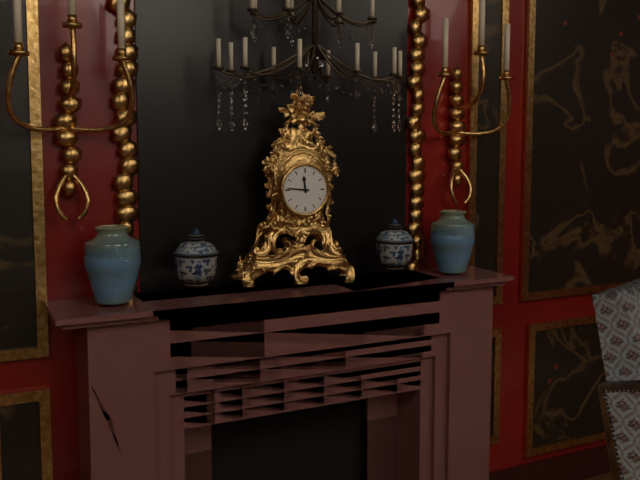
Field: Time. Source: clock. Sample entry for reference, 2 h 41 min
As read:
11 h 46 min
